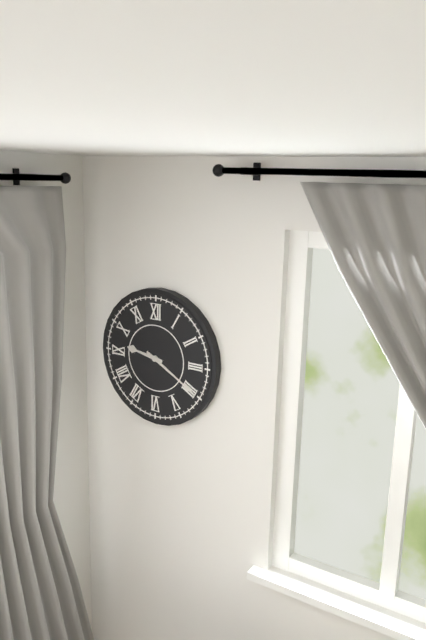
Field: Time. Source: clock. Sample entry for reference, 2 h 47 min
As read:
9 h 20 min
